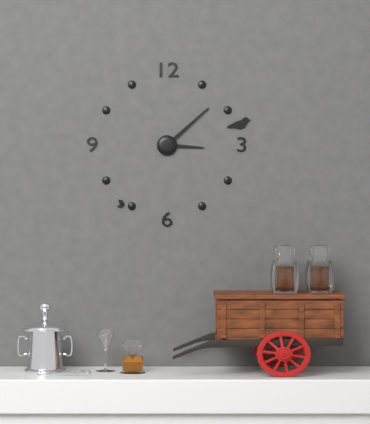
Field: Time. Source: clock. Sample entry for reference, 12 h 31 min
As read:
3 h 08 min
